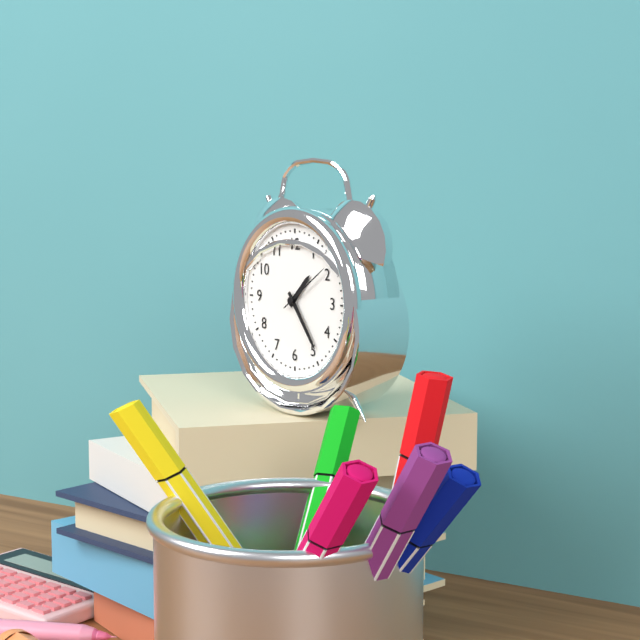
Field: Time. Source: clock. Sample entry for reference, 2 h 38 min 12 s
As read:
1 h 24 min 09 s
